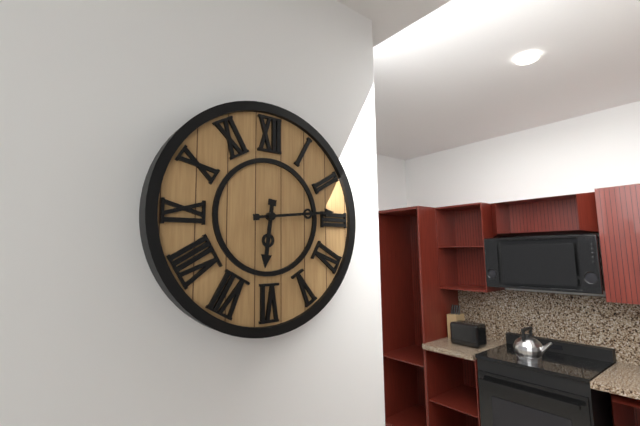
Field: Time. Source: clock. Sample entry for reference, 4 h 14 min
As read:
6 h 14 min
